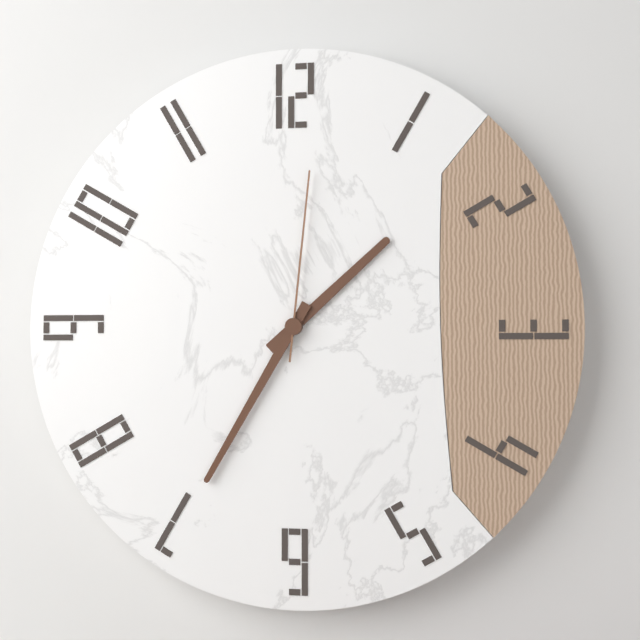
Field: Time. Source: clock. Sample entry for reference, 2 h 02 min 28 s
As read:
1 h 35 min 01 s
